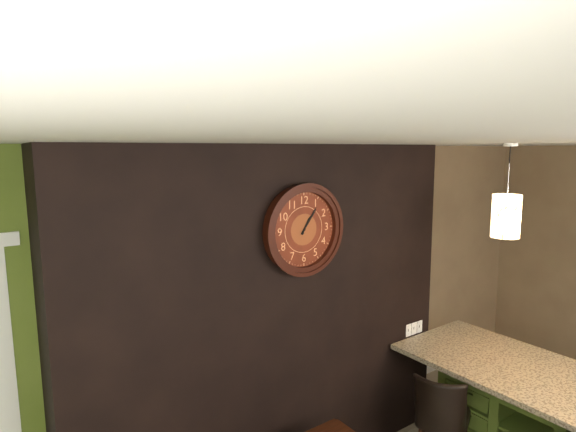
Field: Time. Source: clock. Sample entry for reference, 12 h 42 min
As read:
1 h 06 min
